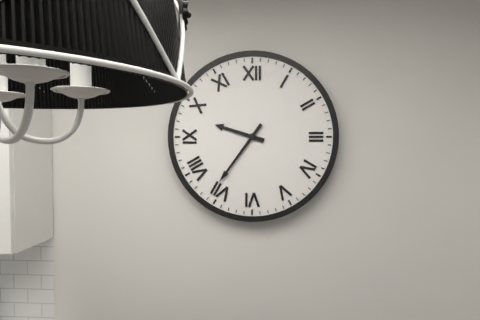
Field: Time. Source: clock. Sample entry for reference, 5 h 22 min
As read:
9 h 36 min
